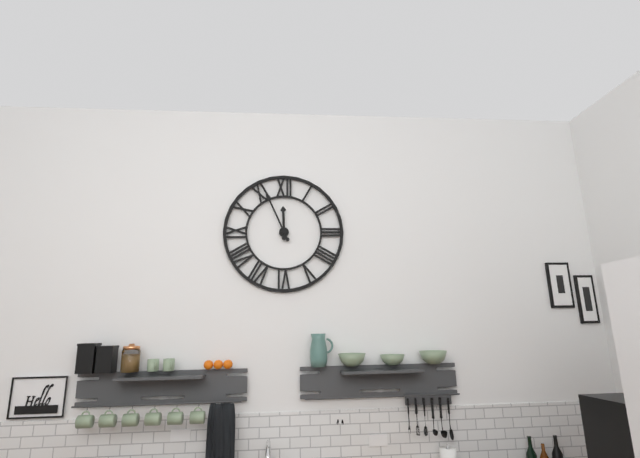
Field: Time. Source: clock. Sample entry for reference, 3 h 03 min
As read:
11 h 56 min
